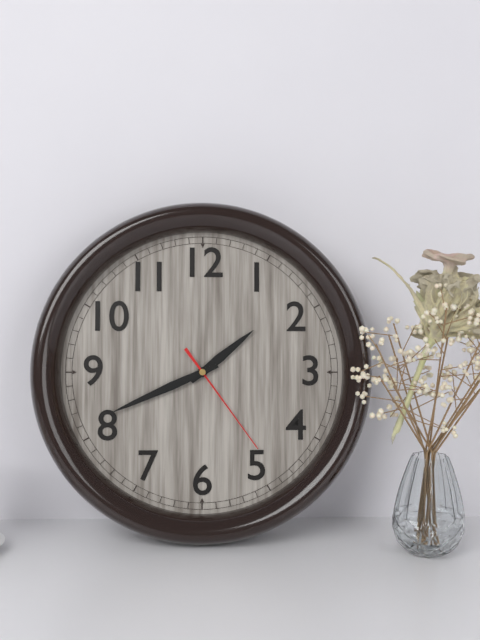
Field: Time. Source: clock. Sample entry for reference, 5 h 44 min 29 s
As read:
1 h 41 min 24 s
